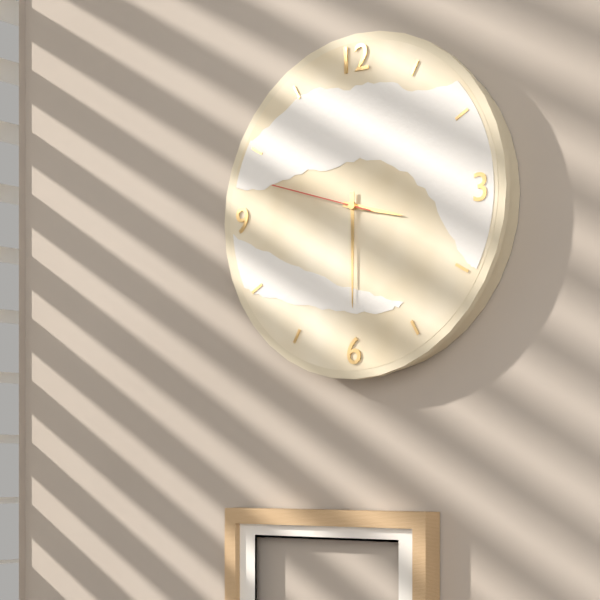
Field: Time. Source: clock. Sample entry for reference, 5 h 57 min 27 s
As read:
3 h 30 min 48 s
